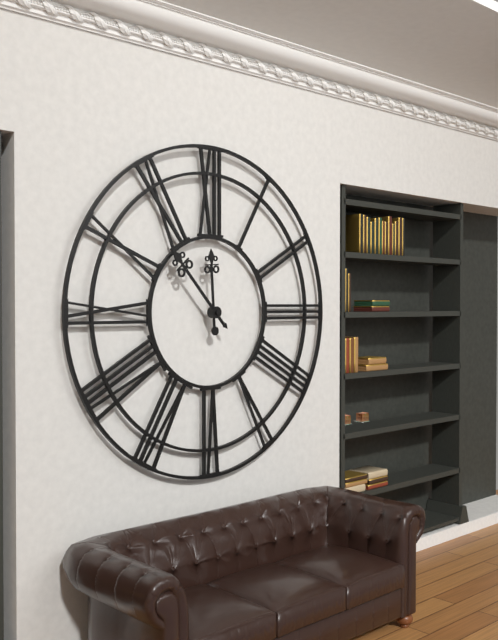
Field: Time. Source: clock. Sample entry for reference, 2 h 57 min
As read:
11 h 53 min
